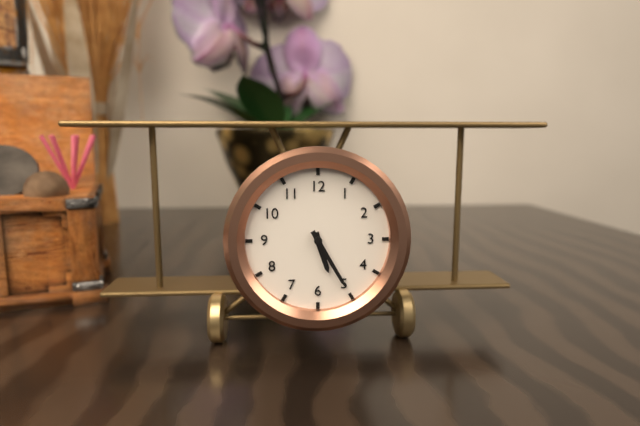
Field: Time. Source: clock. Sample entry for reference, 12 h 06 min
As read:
5 h 25 min
